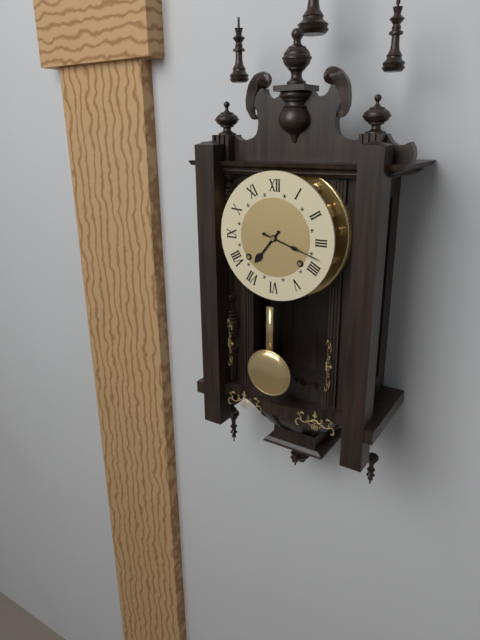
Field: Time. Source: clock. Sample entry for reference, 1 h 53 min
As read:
7 h 18 min
